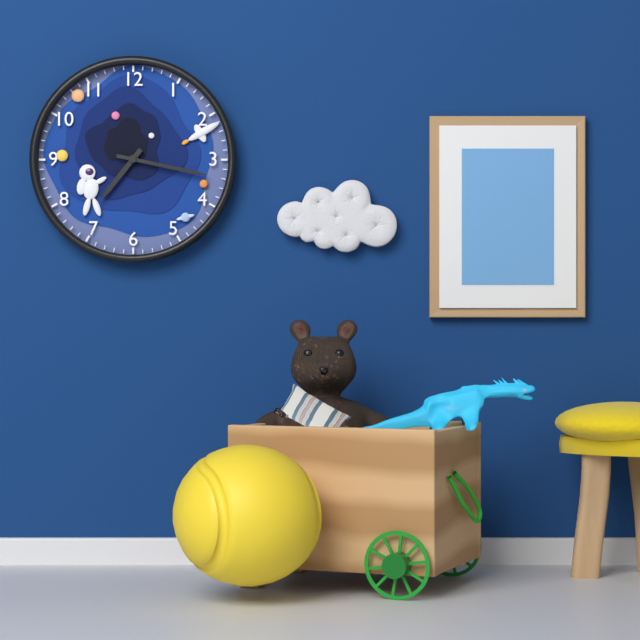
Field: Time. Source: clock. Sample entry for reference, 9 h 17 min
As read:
7 h 17 min
